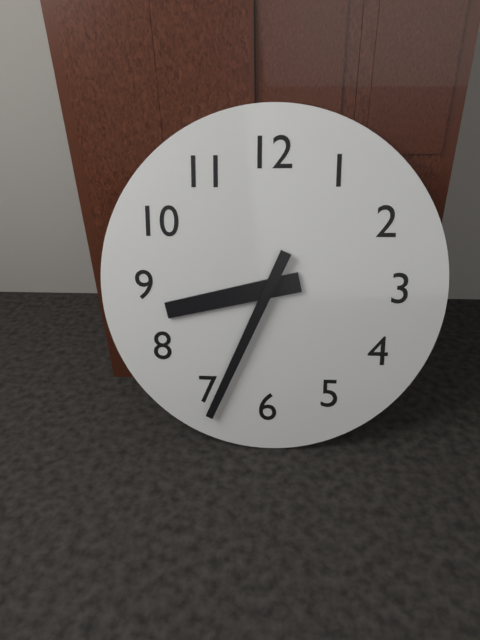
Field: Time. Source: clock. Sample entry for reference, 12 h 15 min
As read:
8 h 34 min
